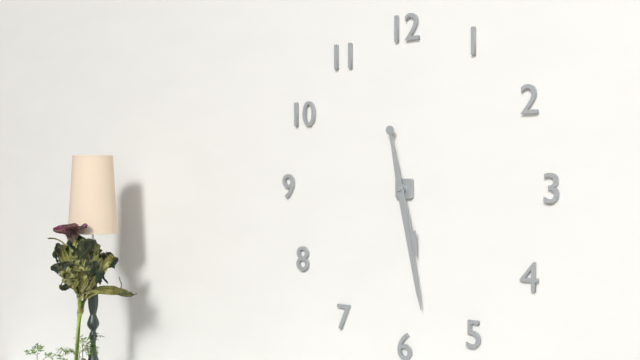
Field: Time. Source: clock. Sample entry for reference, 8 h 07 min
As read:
5 h 28 min
